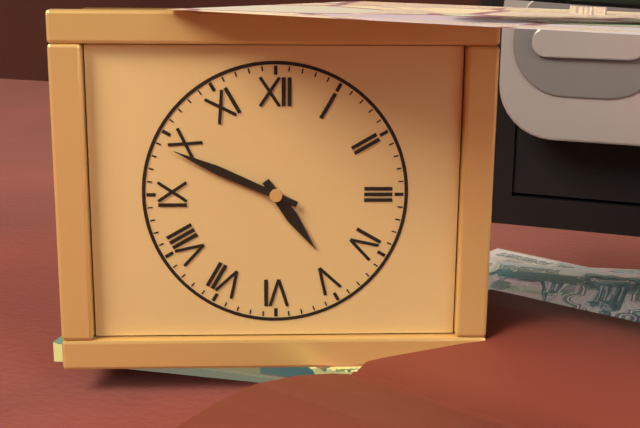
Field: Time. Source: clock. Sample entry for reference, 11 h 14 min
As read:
4 h 49 min
